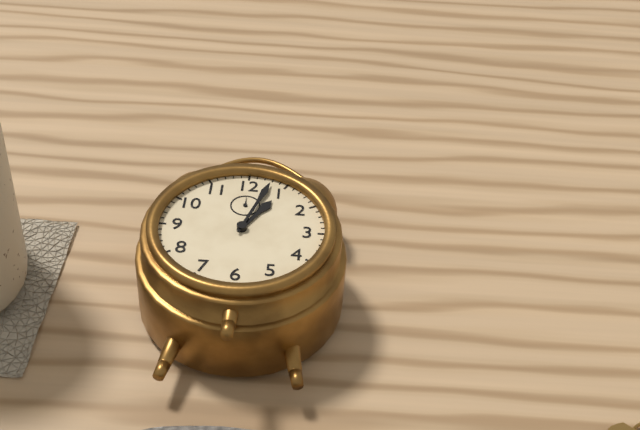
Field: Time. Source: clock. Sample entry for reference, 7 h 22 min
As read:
1 h 03 min
